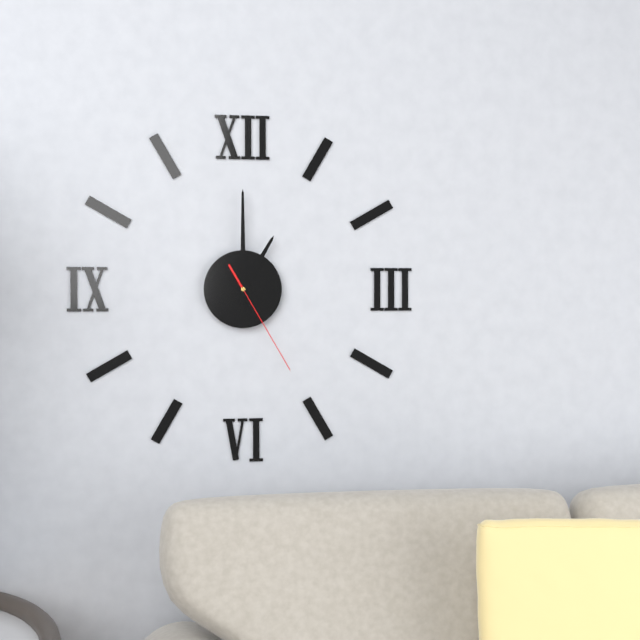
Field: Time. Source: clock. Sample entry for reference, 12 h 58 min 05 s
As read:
1 h 00 min 25 s
